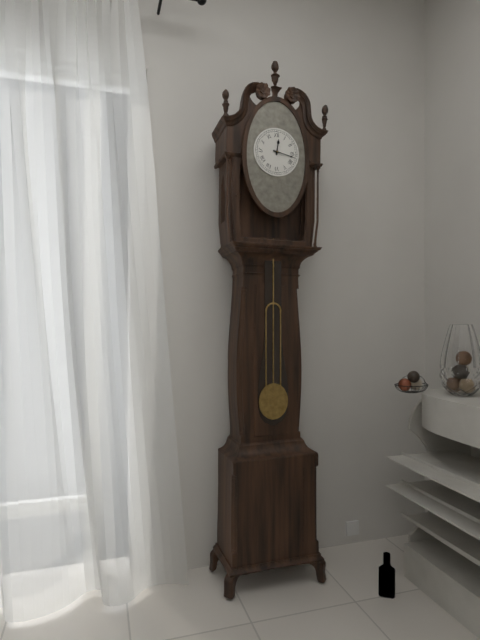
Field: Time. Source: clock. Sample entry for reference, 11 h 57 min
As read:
12 h 17 min
